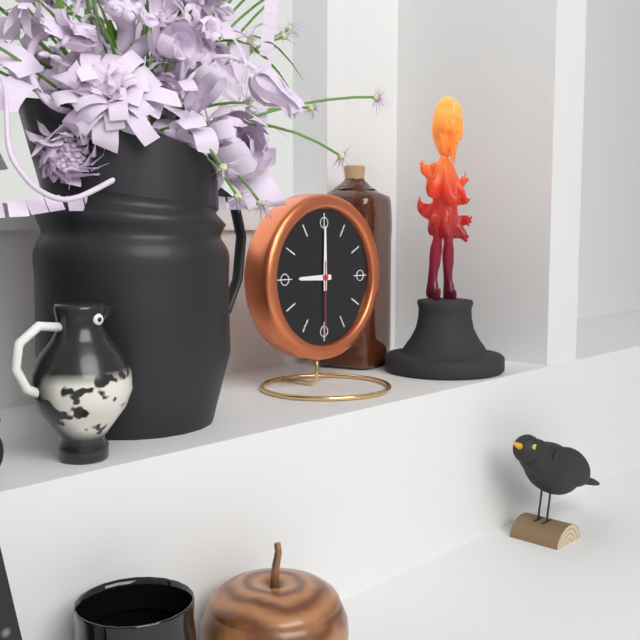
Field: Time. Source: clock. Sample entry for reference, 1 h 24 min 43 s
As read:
9 h 00 min 30 s
